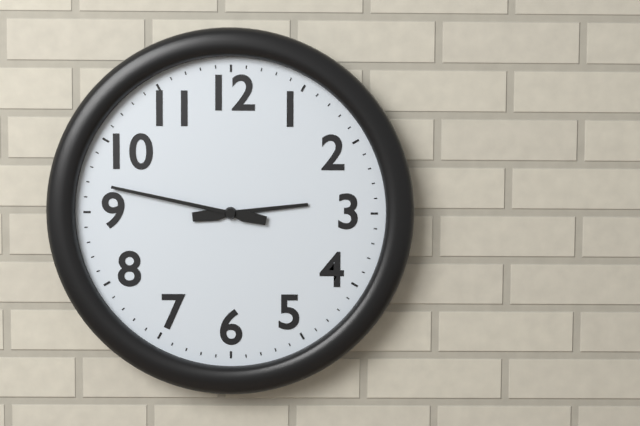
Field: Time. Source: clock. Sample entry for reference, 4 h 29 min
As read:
2 h 47 min
